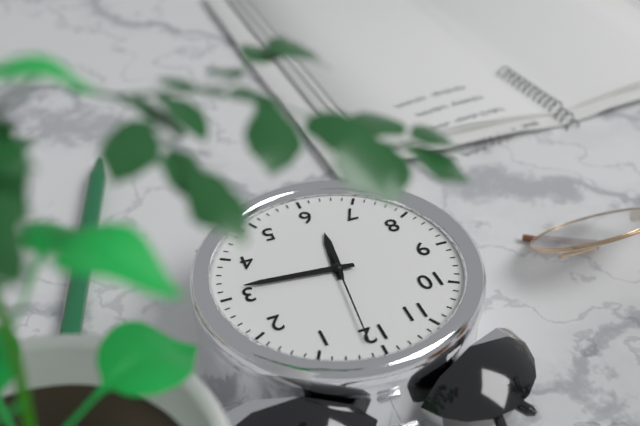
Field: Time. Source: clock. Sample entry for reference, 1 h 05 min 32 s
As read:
6 h 16 min 01 s
